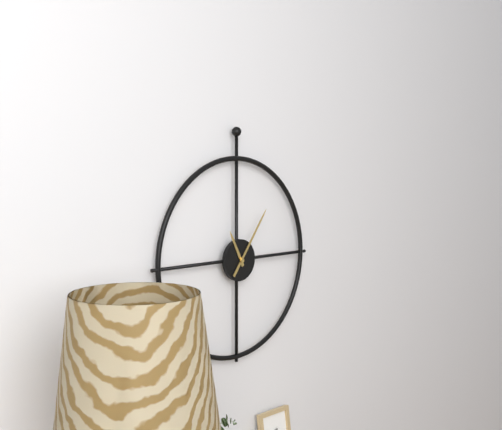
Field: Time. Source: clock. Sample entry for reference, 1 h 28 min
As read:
11 h 06 min
